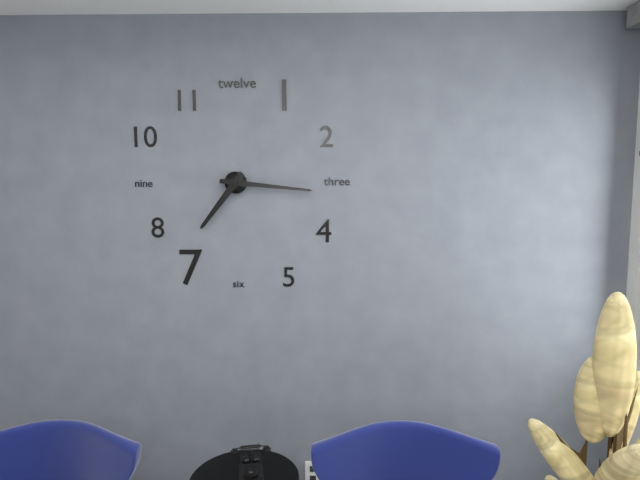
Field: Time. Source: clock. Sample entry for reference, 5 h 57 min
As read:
7 h 16 min
